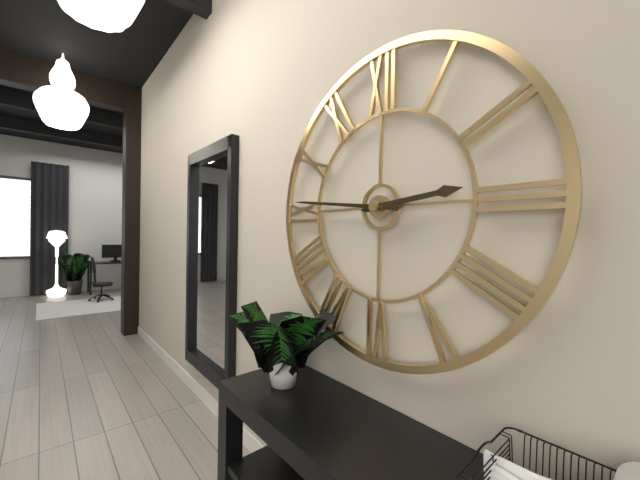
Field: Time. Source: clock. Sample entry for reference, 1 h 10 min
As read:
2 h 46 min
